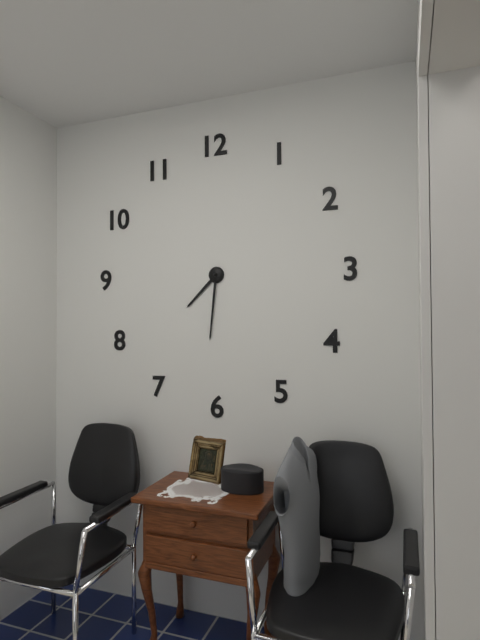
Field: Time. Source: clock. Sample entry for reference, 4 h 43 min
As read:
7 h 31 min
